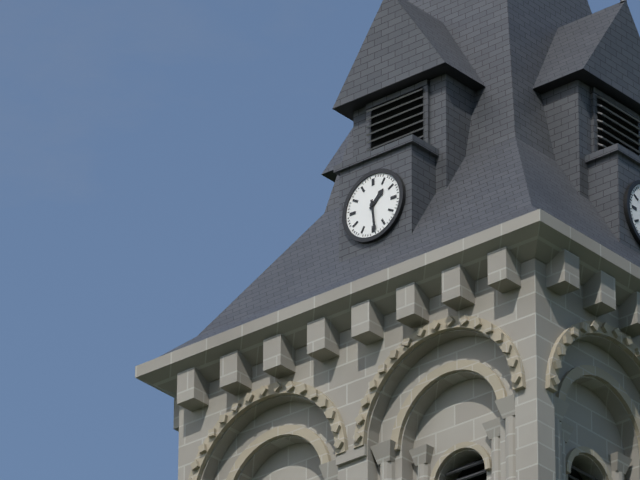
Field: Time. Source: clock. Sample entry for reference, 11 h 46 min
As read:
1 h 29 min
